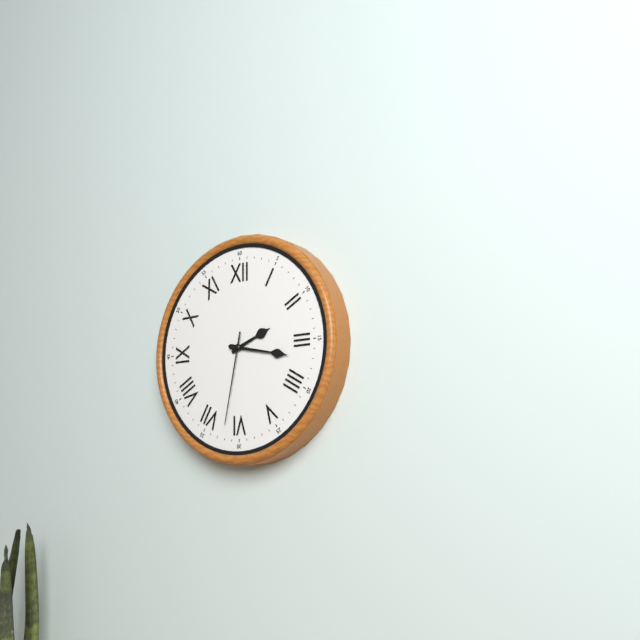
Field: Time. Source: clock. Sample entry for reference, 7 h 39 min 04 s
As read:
2 h 17 min 32 s
